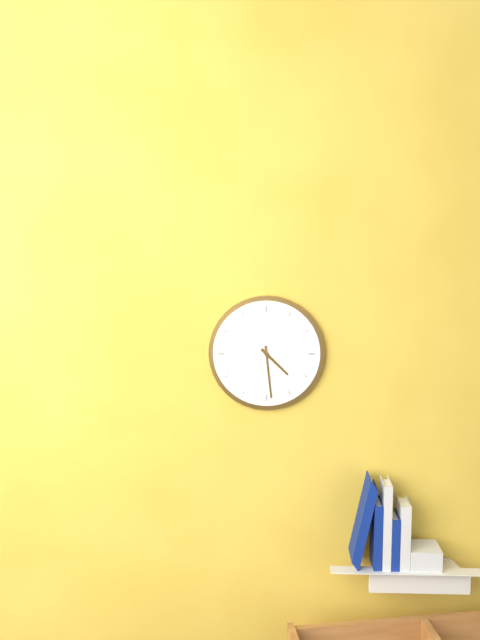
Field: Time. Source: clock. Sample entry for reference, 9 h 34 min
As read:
4 h 29 min
